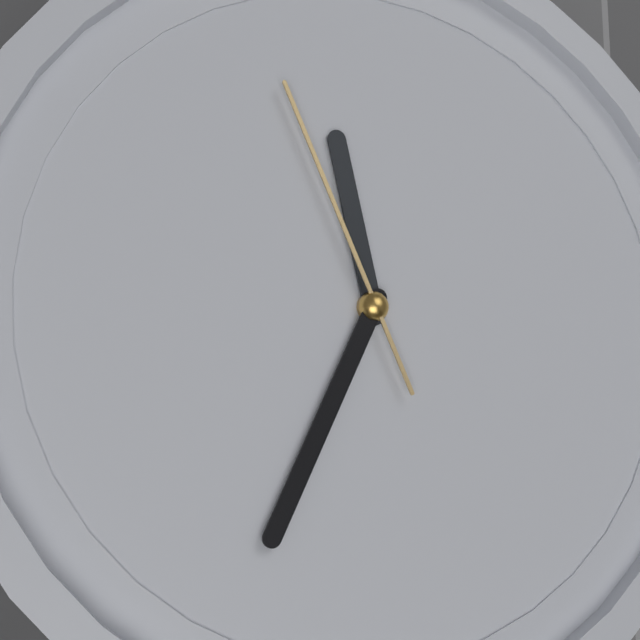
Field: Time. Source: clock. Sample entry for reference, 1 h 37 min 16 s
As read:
11 h 34 min 56 s
